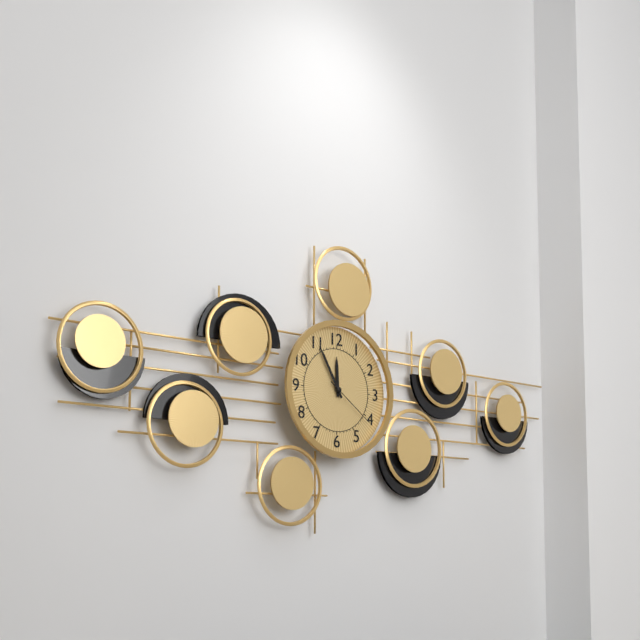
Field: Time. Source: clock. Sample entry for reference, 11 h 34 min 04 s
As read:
11 h 55 min 21 s
